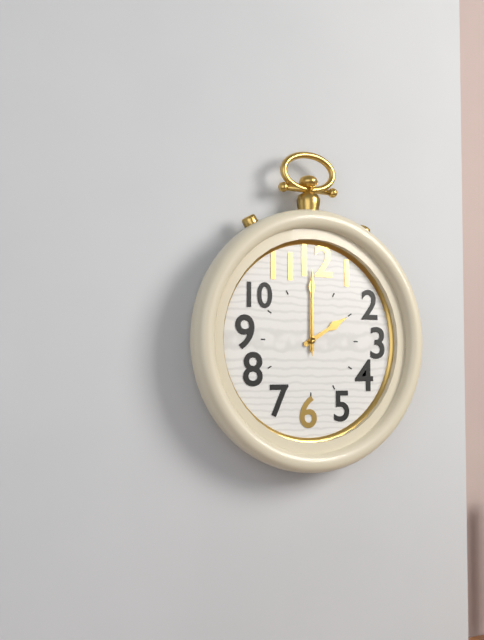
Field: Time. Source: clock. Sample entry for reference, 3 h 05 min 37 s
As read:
2 h 00 min 00 s
